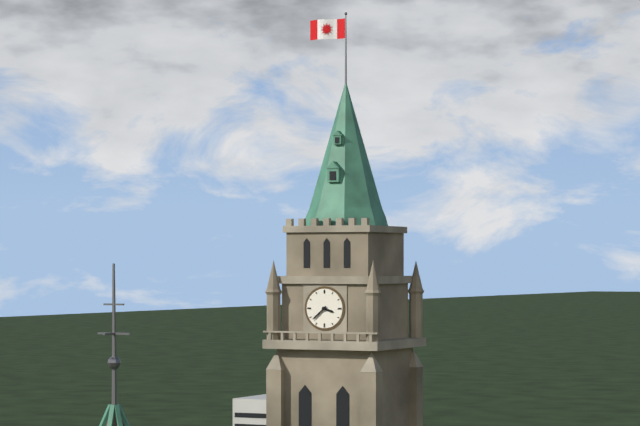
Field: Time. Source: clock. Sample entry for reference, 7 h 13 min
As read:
3 h 38 min
